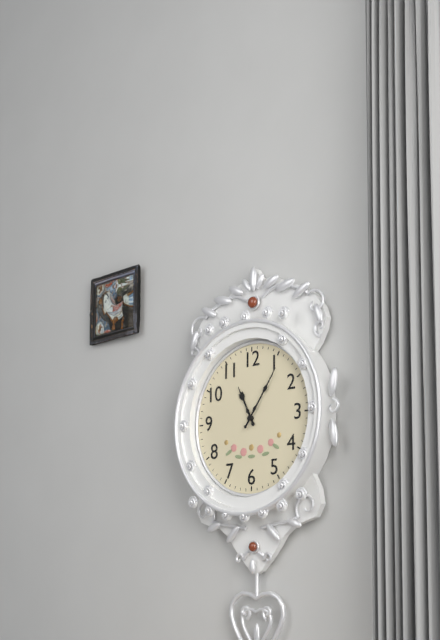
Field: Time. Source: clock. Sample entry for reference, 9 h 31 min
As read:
11 h 06 min
